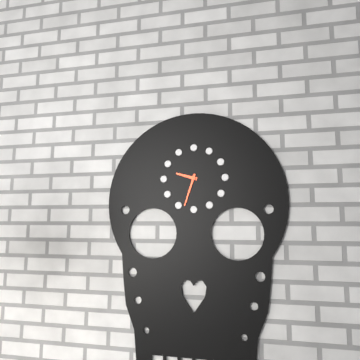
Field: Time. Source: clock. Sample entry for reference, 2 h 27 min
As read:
9 h 33 min
